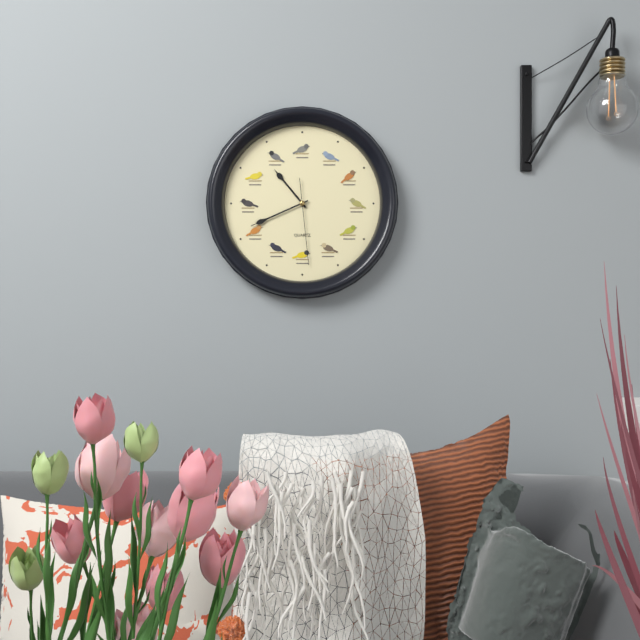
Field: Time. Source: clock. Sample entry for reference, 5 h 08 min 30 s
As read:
10 h 41 min 29 s
